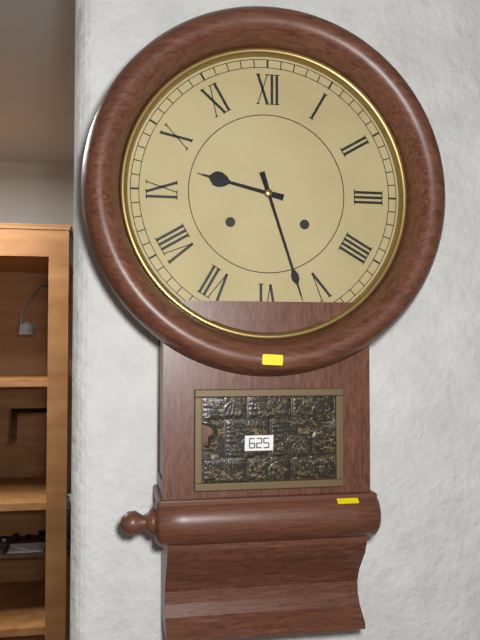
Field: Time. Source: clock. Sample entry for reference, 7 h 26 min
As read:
9 h 27 min
